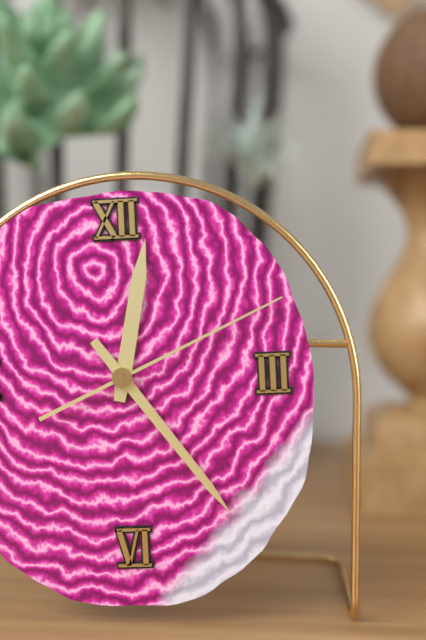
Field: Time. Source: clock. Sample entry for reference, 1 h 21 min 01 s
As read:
12 h 24 min 11 s
